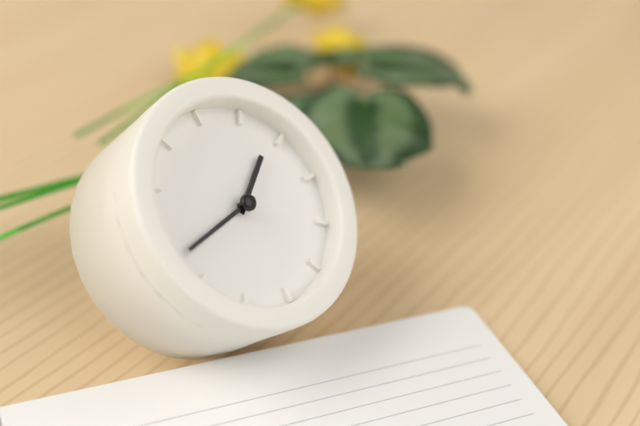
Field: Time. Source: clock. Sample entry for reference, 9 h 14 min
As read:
1 h 43 min
